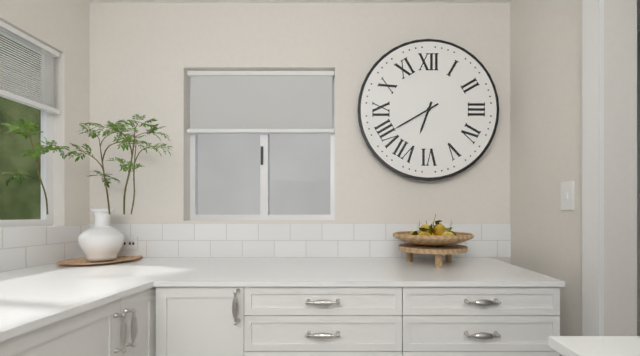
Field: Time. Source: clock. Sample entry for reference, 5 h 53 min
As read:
6 h 40 min
